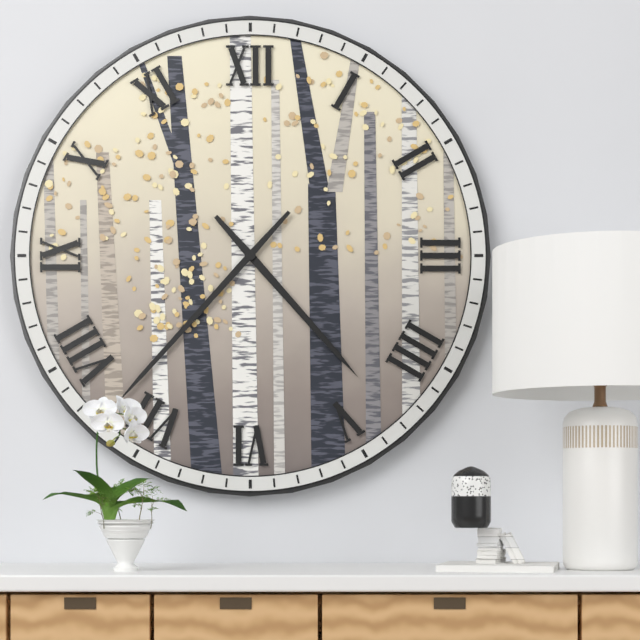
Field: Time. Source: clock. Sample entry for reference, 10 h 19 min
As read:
4 h 37 min
